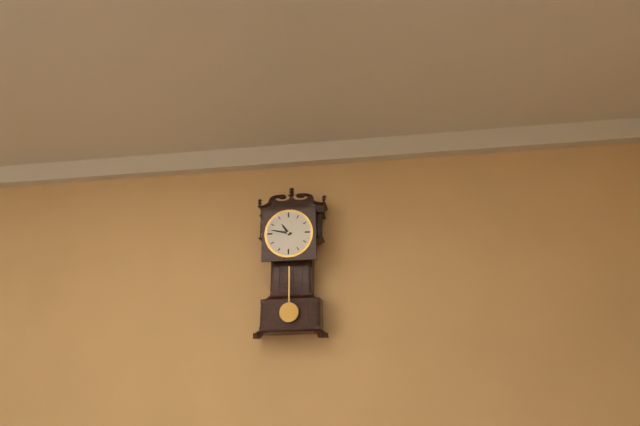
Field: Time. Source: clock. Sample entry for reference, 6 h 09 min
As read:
10 h 47 min
